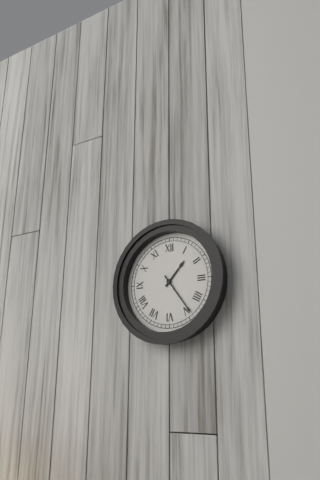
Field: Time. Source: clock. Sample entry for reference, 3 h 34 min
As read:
1 h 24 min
